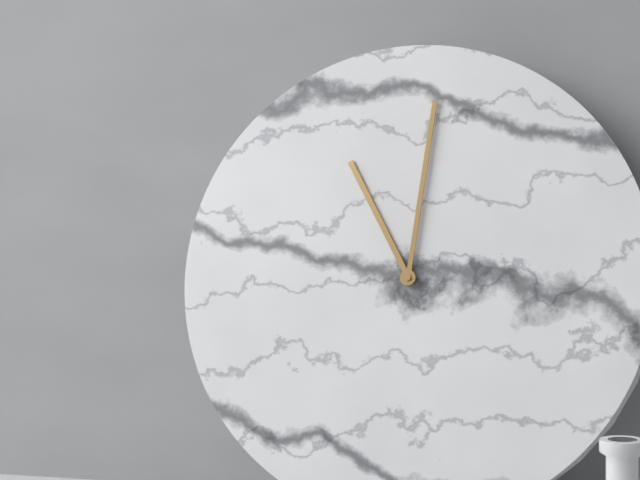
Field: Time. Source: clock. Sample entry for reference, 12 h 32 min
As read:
11 h 01 min
